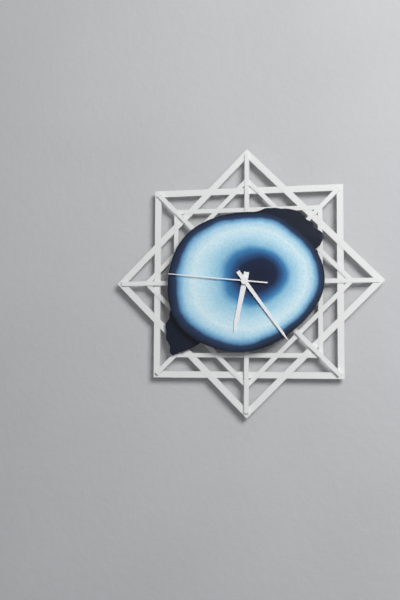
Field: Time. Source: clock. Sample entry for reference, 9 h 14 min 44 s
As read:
6 h 24 min 46 s
